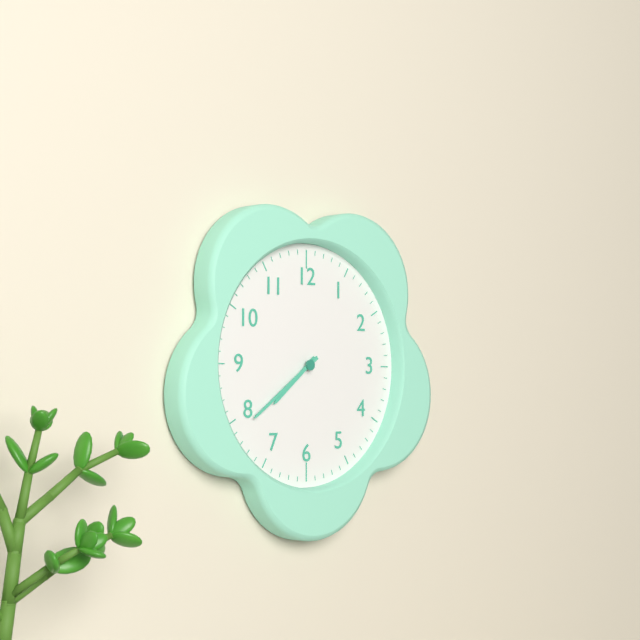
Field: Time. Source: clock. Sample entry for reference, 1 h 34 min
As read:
7 h 39 min
